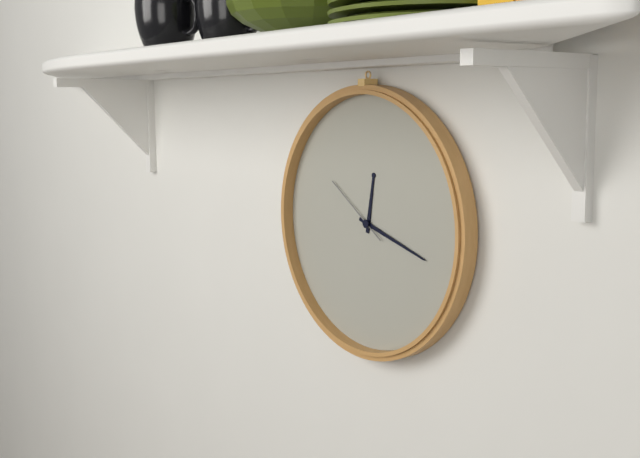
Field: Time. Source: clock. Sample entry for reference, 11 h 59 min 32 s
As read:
12 h 18 min 51 s
